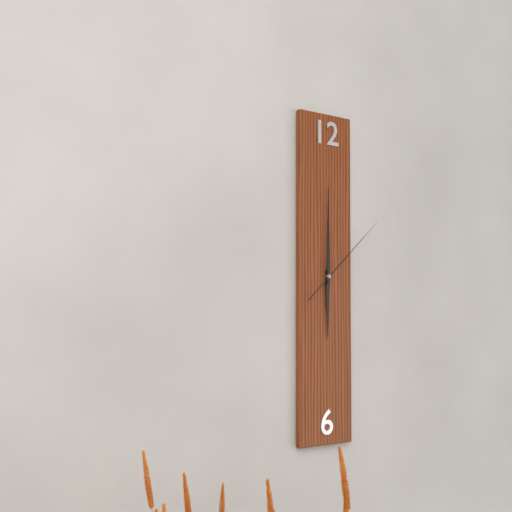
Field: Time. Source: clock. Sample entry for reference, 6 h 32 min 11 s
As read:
6 h 00 min 08 s
